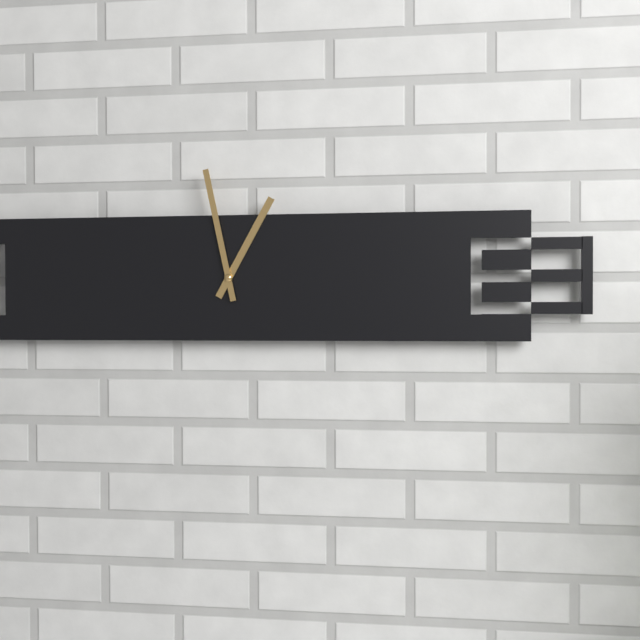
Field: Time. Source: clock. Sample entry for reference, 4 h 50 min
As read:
12 h 58 min
